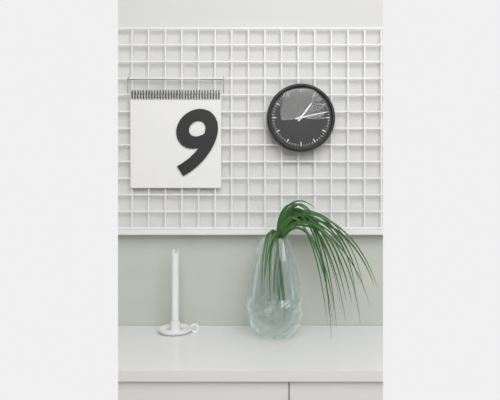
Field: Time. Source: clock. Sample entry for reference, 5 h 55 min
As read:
1 h 13 min
